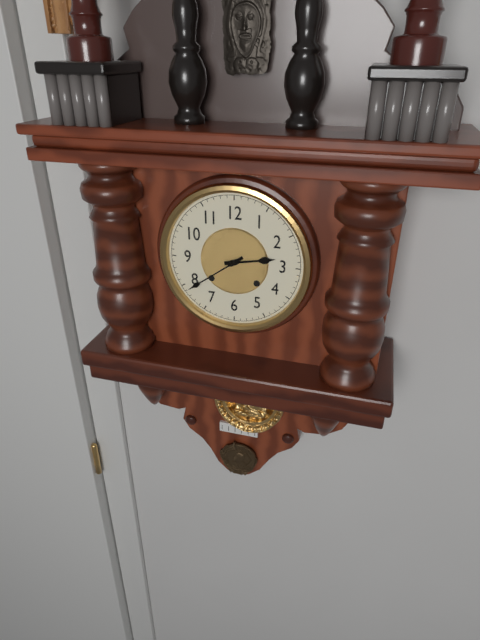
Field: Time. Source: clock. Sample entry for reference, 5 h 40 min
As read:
2 h 39 min
